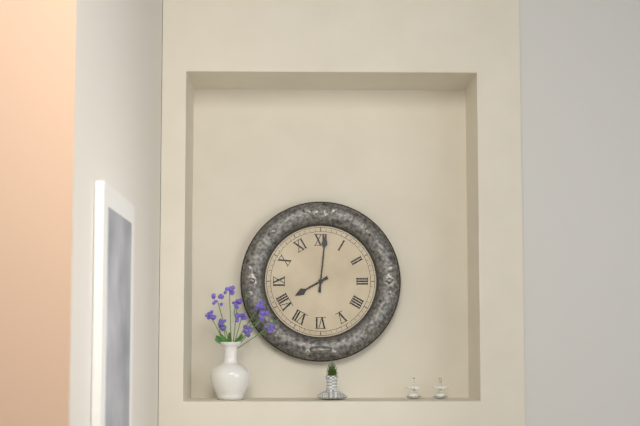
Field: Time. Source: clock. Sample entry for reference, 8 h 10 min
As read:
8 h 01 min
